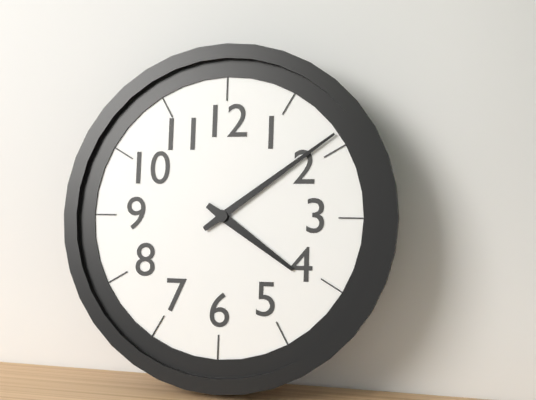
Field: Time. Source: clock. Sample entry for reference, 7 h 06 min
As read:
4 h 09 min
